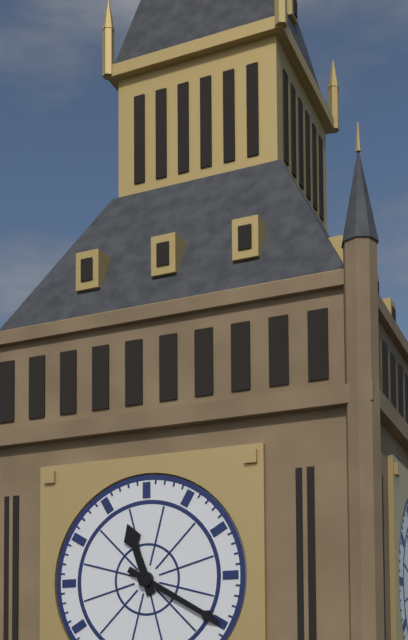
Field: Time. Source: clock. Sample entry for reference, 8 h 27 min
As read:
11 h 20 min
